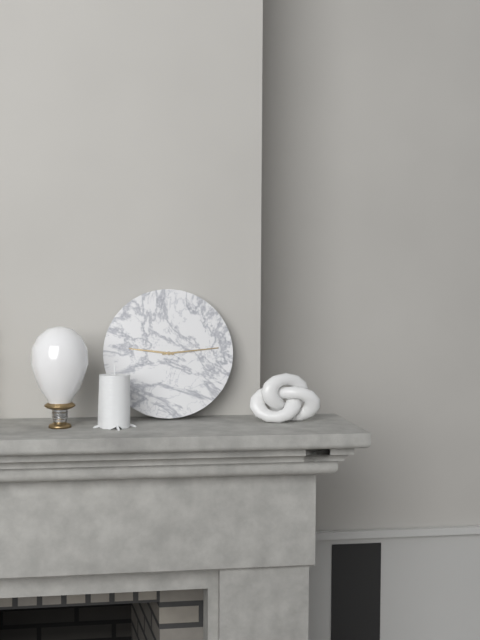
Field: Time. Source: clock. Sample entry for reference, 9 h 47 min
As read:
9 h 14 min
